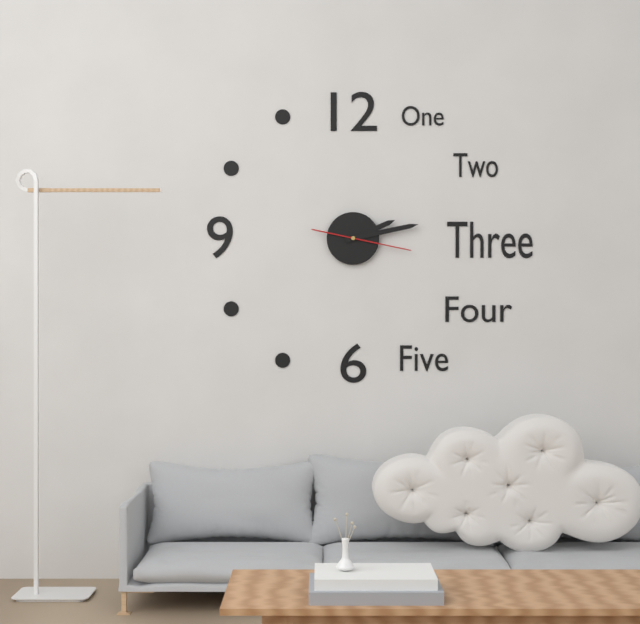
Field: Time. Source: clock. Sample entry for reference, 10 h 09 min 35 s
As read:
2 h 13 min 17 s
